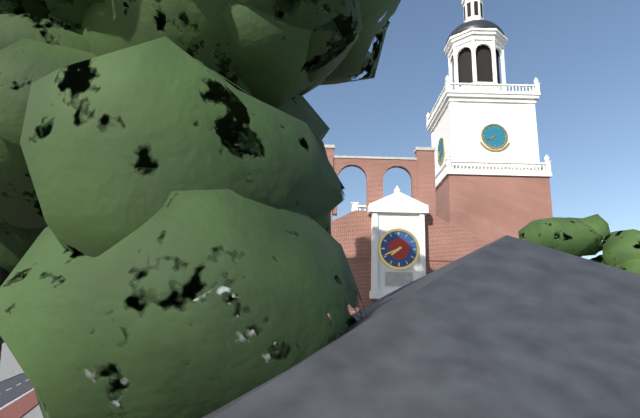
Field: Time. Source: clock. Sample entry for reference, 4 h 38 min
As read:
7 h 41 min
